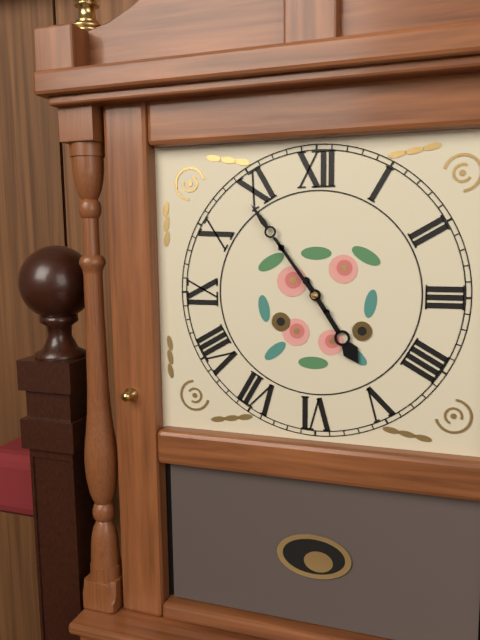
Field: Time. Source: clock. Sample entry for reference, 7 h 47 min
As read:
4 h 54 min
